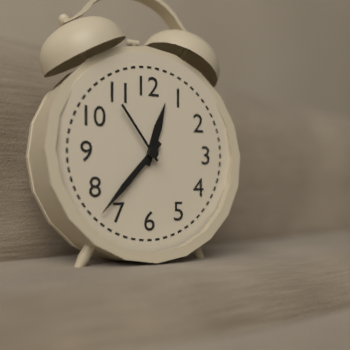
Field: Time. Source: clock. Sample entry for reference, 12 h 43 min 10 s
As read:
12 h 37 min 54 s
